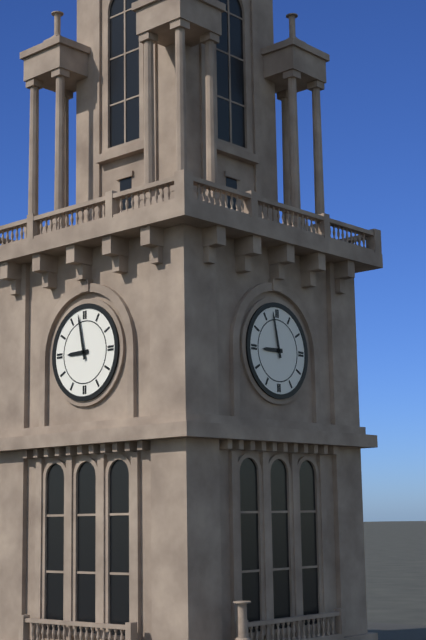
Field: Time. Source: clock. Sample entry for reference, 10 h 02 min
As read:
8 h 58 min
